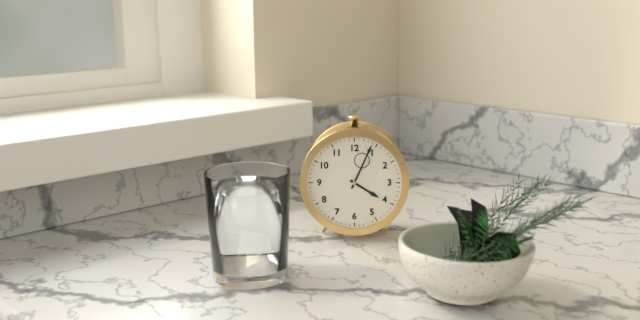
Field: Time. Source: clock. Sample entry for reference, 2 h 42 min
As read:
4 h 04 min
